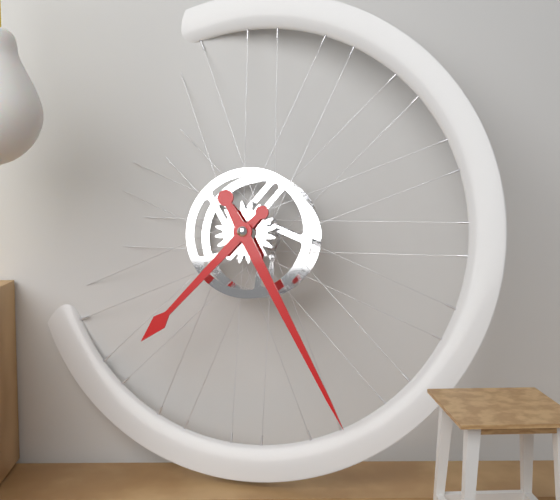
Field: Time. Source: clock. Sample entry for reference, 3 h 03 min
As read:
7 h 25 min
